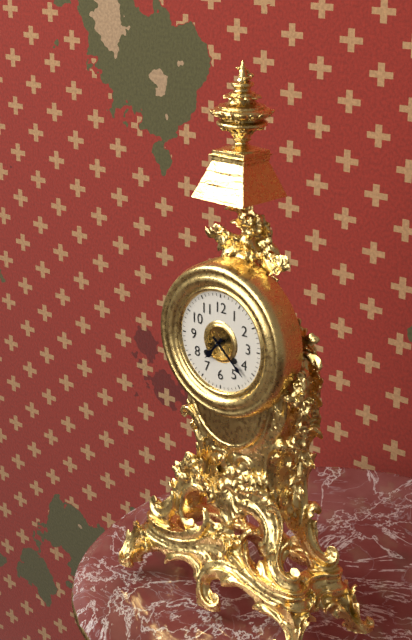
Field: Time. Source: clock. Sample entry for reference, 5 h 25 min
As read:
7 h 22 min
